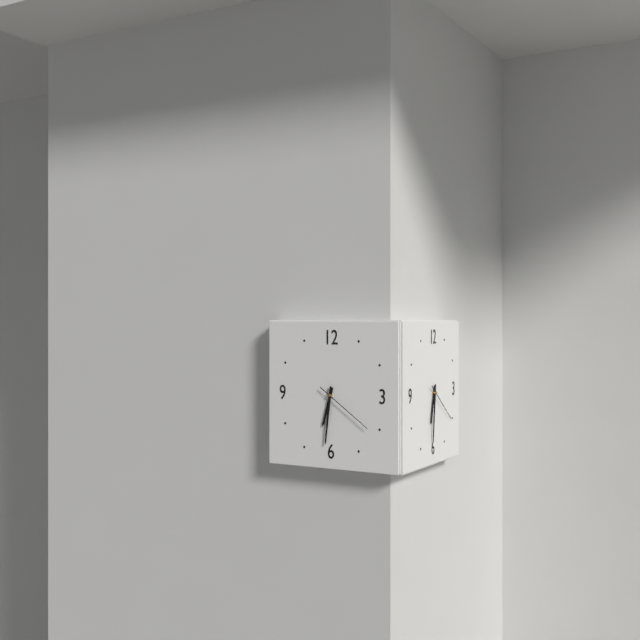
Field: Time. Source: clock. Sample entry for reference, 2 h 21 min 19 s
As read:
6 h 31 min 21 s
